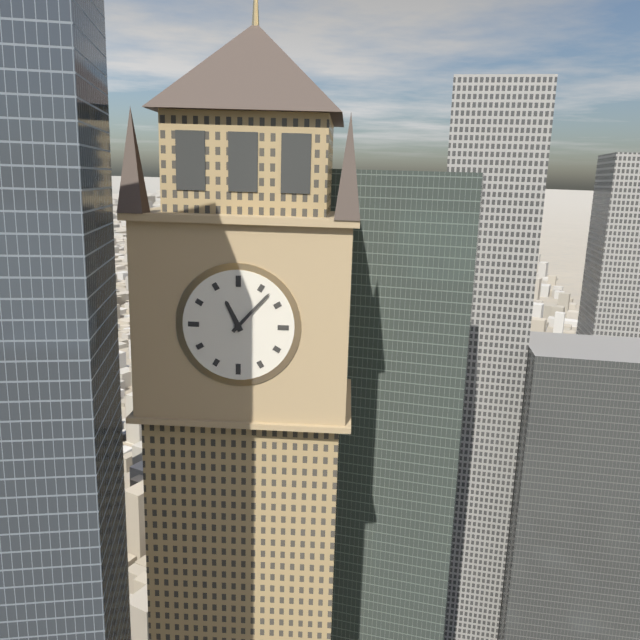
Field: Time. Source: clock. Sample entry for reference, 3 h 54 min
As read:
11 h 07 min
